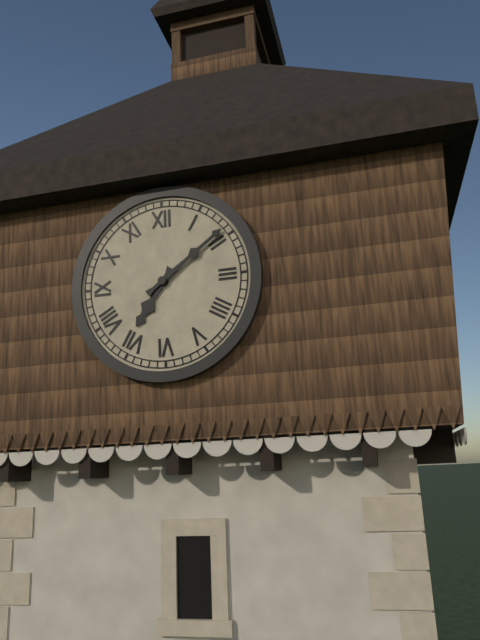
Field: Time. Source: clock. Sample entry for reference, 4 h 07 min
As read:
7 h 09 min
